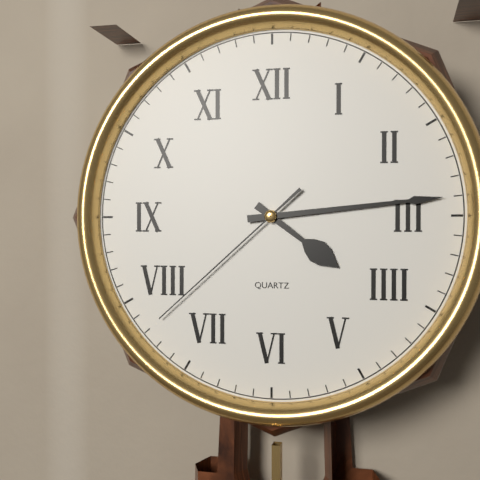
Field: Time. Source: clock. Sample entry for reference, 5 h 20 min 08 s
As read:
4 h 14 min 38 s
